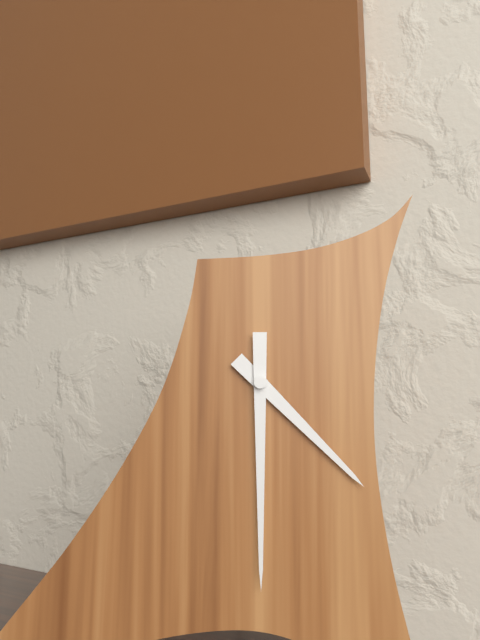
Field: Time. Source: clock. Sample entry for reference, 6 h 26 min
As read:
4 h 30 min
